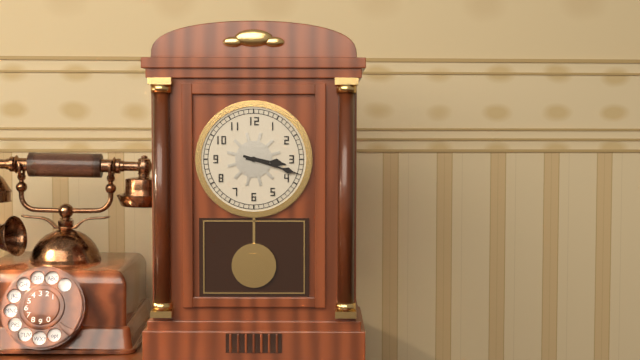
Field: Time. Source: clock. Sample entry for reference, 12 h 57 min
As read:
3 h 18 min
